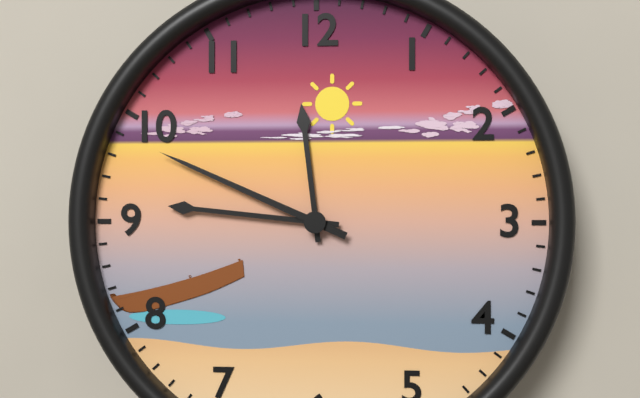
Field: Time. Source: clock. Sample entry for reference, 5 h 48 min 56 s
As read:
11 h 46 min 49 s
